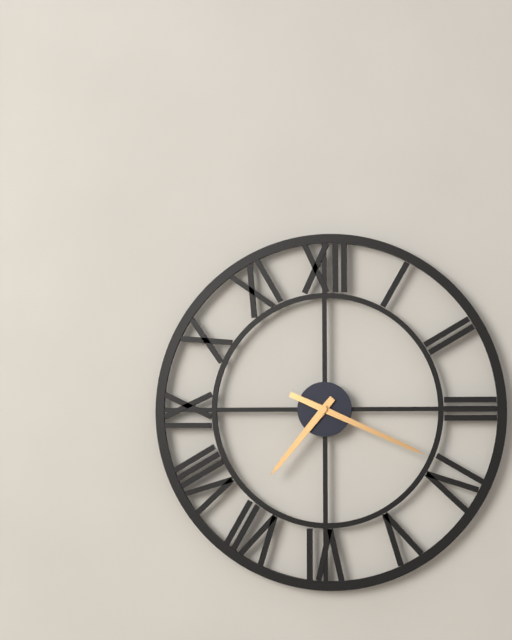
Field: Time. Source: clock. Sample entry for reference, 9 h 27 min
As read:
7 h 19 min
